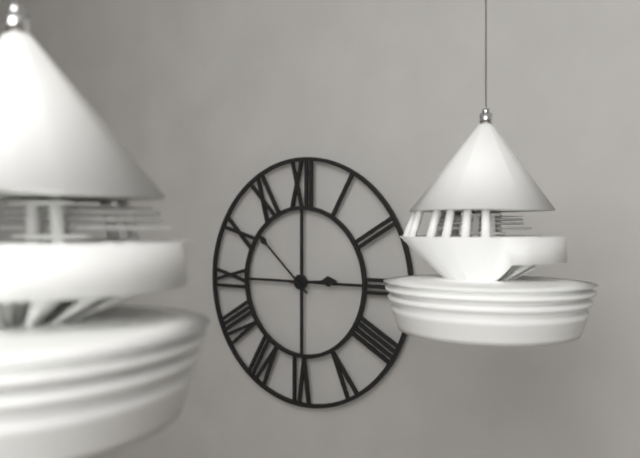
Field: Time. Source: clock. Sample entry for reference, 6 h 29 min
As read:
2 h 52 min
